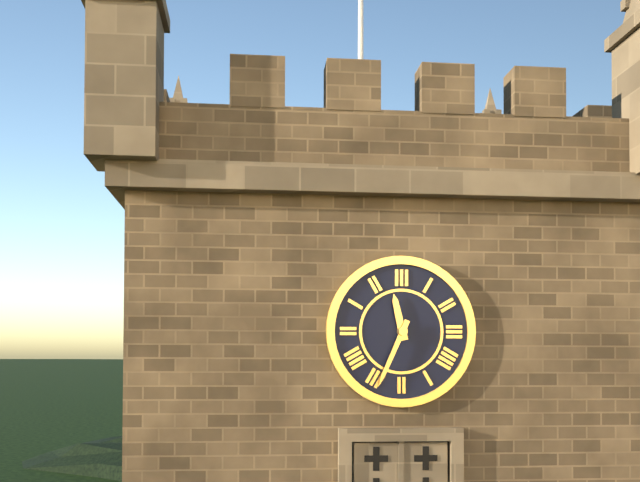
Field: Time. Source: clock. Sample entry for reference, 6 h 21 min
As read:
11 h 34 min
